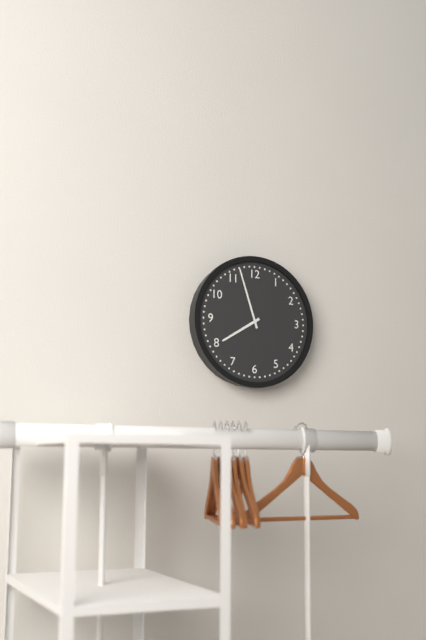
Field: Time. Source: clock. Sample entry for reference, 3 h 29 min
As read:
7 h 57 min
